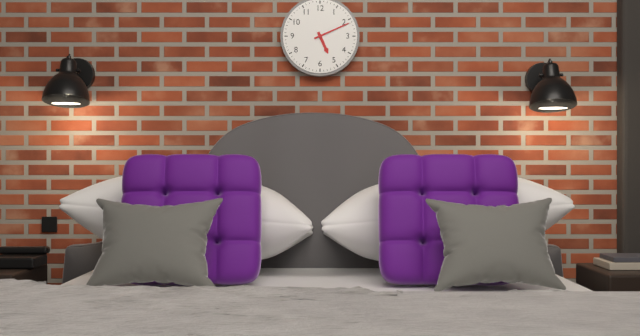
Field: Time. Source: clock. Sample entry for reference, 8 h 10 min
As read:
5 h 11 min
